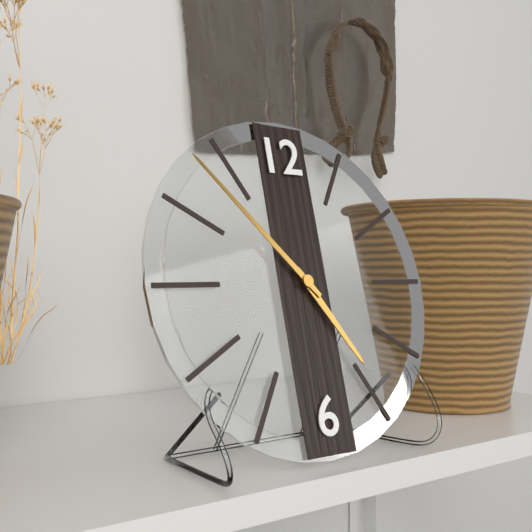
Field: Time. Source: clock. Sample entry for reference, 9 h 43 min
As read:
4 h 53 min
